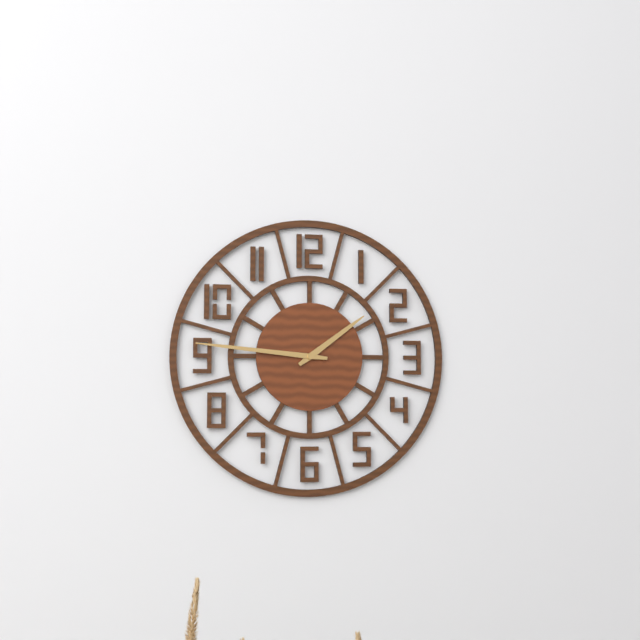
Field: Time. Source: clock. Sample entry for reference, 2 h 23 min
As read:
1 h 46 min
